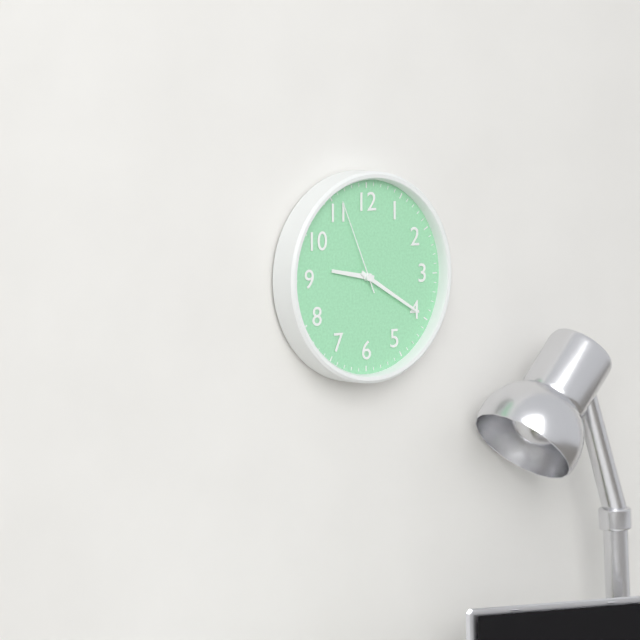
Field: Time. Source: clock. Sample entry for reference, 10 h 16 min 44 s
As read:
9 h 20 min 56 s
